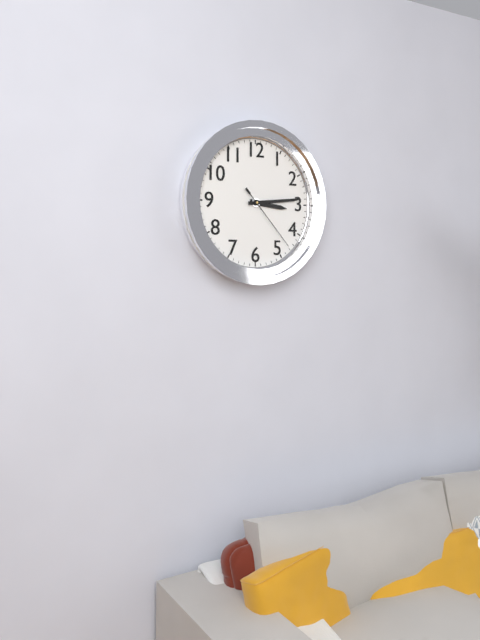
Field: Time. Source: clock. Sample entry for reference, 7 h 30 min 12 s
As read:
3 h 14 min 23 s
